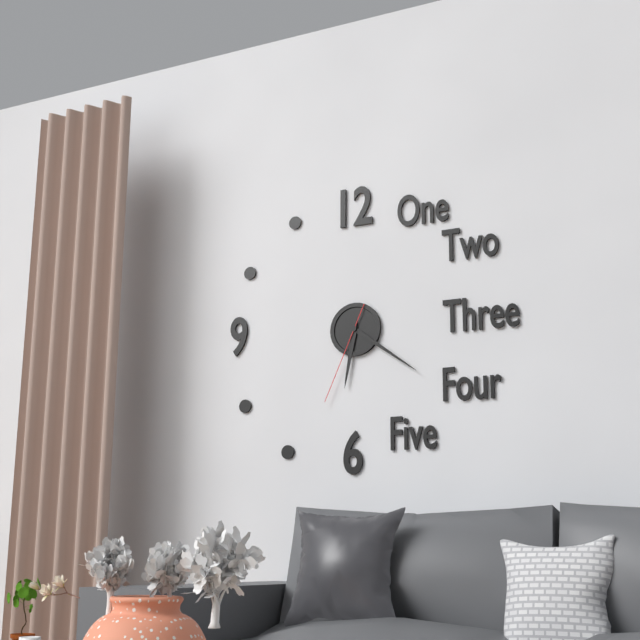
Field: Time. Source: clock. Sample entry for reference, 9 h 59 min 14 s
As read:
6 h 21 min 34 s
